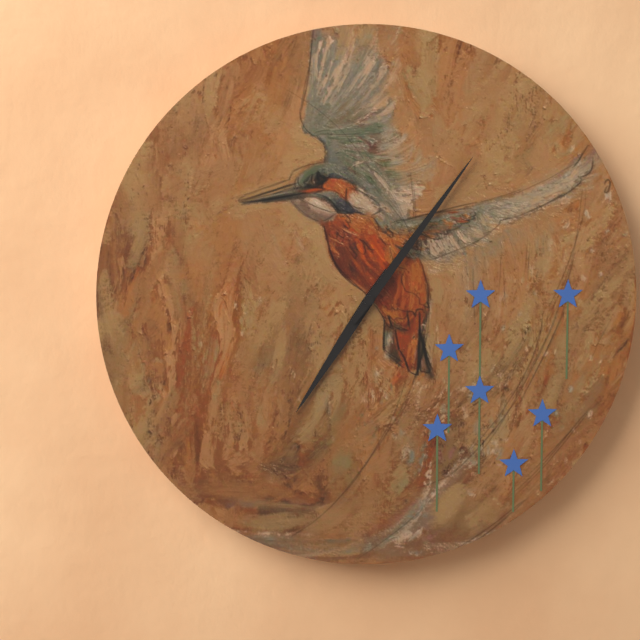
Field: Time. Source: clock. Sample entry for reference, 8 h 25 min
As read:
7 h 06 min
